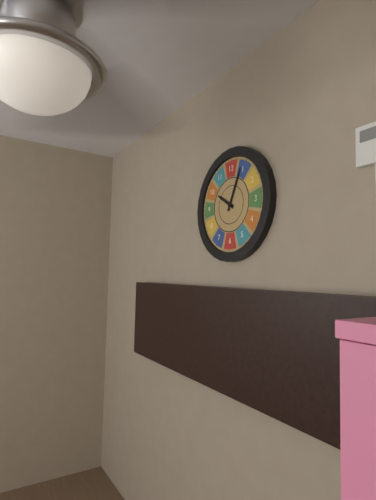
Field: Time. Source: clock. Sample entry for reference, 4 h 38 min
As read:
10 h 04 min
